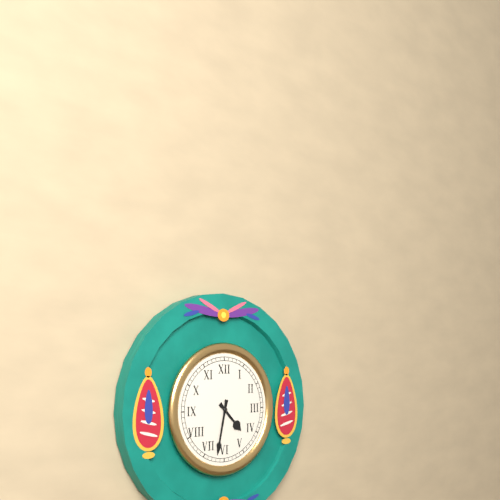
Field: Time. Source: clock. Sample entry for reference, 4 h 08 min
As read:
4 h 32 min
